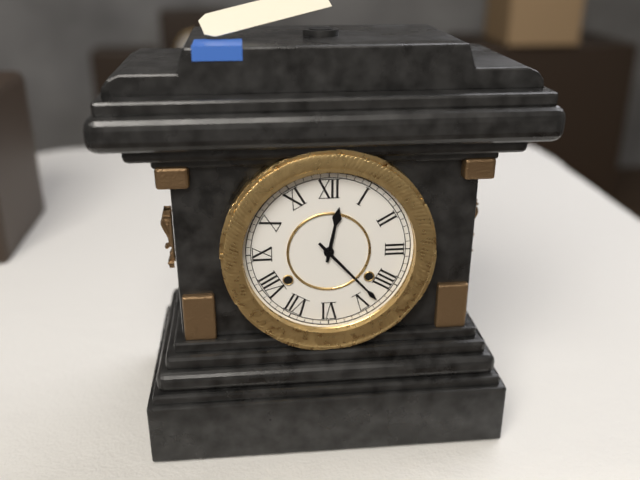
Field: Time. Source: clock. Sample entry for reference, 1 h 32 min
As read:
12 h 23 min
